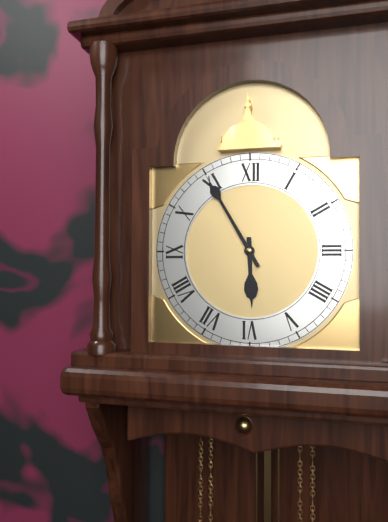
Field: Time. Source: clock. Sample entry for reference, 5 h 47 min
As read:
5 h 55 min
